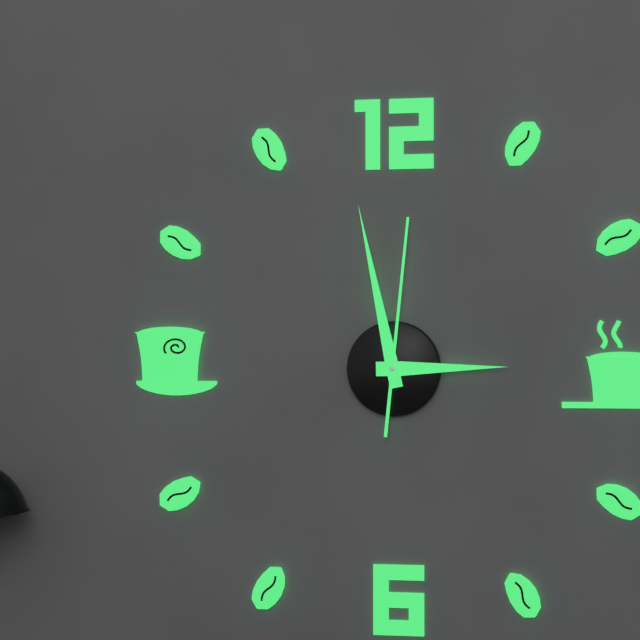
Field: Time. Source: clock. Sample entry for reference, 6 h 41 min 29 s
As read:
2 h 58 min 01 s
